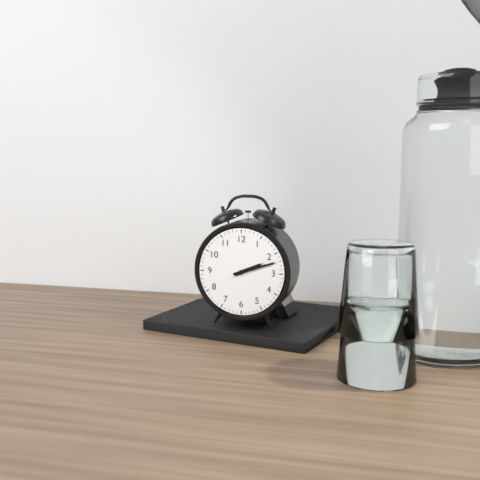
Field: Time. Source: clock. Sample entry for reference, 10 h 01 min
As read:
2 h 12 min
